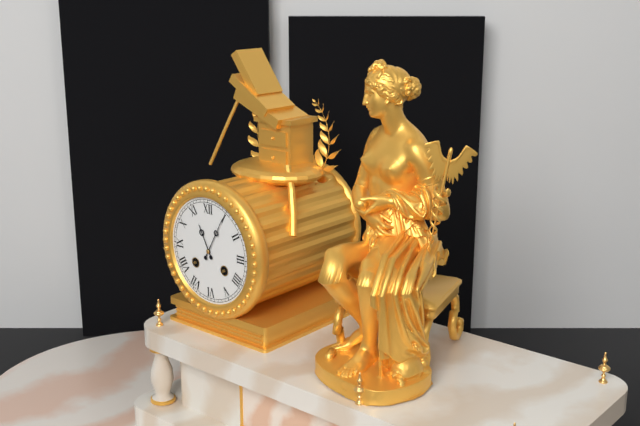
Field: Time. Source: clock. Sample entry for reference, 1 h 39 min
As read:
11 h 05 min
